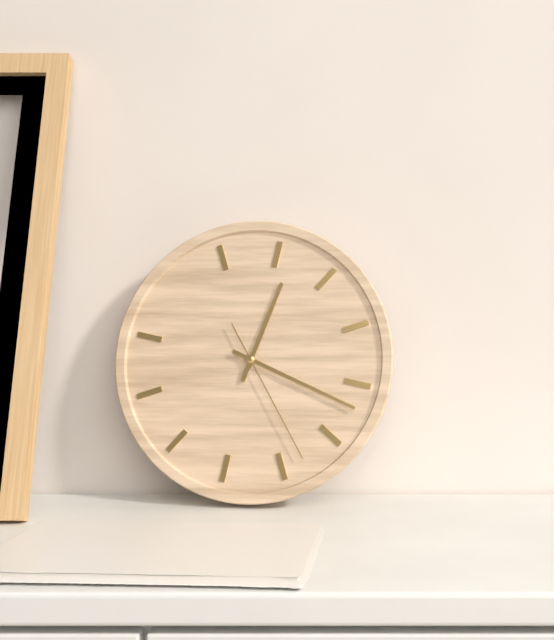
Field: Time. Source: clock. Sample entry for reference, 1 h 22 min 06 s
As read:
12 h 17 min 23 s
